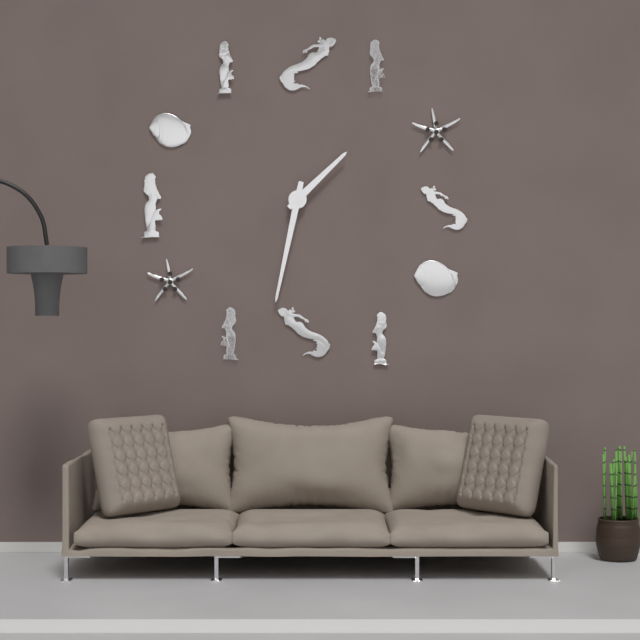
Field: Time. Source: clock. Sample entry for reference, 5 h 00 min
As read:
1 h 32 min
